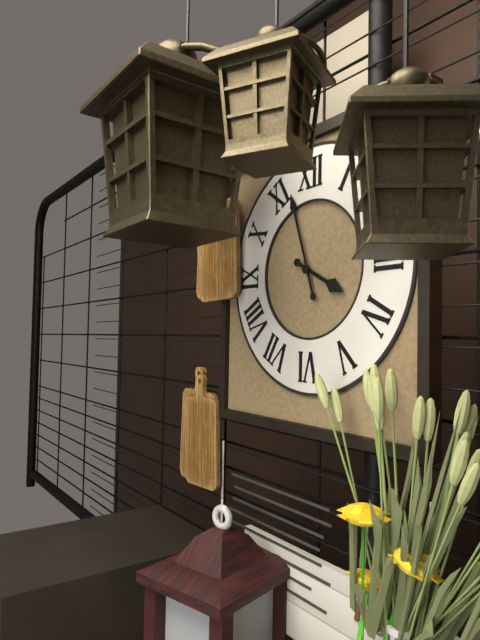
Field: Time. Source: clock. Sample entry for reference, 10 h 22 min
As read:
3 h 57 min
